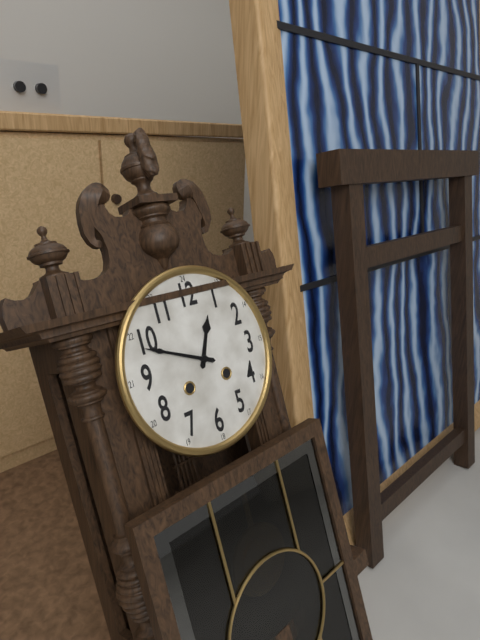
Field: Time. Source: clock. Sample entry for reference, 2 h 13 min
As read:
12 h 49 min
